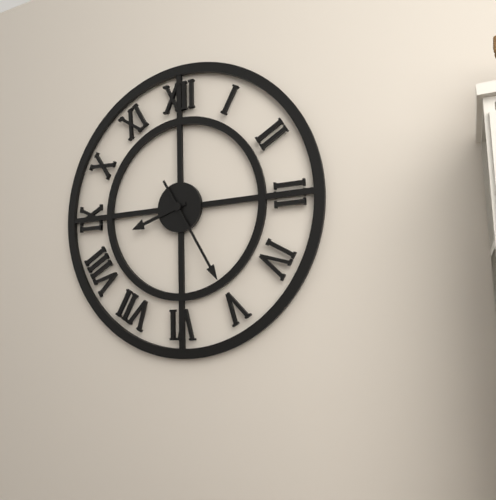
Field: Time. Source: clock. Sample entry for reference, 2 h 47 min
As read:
8 h 25 min
